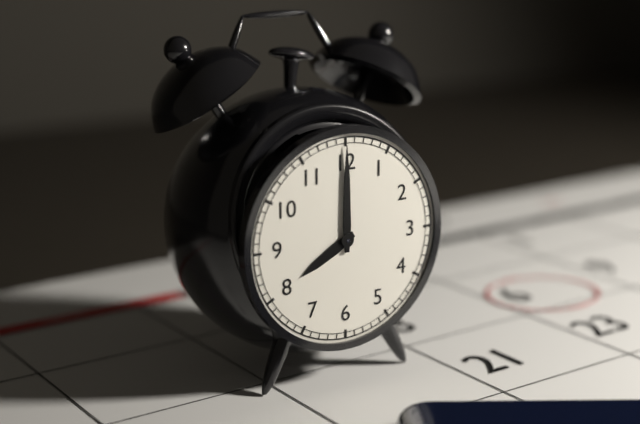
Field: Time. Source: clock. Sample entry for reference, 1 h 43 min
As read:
8 h 00 min
